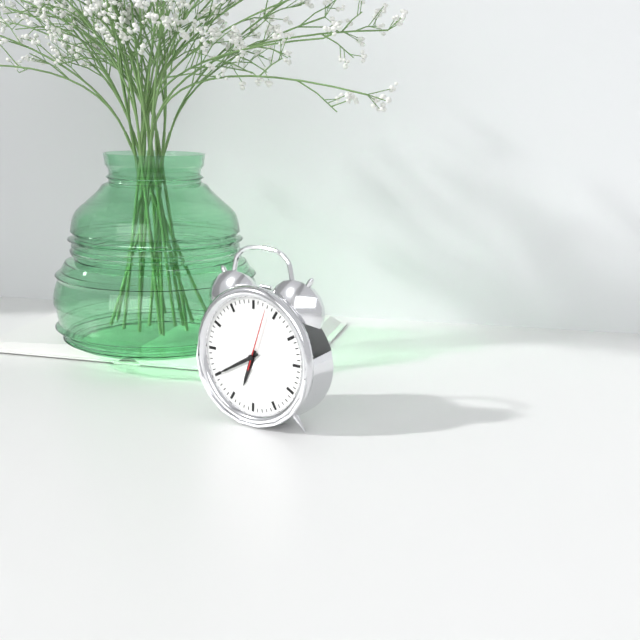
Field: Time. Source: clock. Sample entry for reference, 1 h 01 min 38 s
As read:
6 h 40 min 03 s
